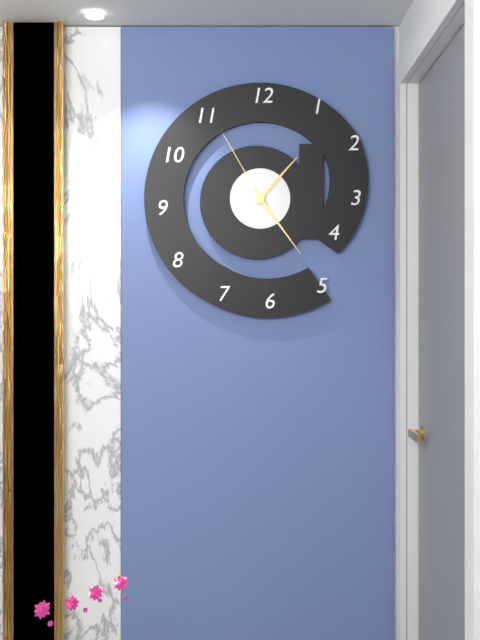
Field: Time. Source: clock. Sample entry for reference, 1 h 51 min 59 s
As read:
1 h 24 min 55 s
